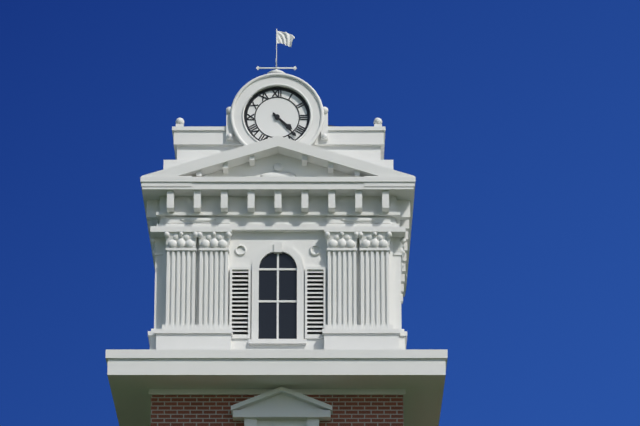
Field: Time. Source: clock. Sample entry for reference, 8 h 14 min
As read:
4 h 23 min
